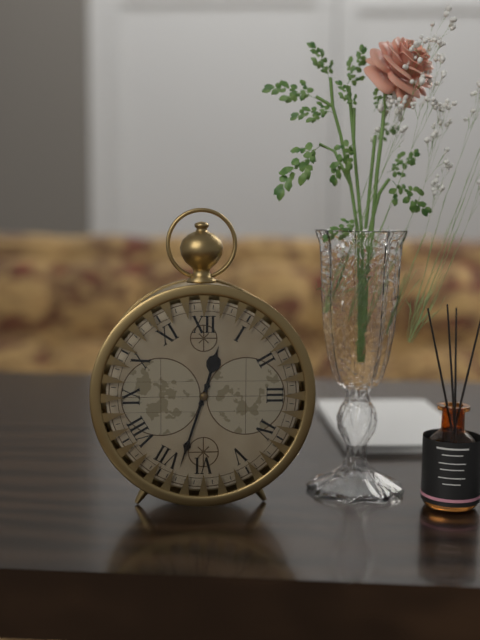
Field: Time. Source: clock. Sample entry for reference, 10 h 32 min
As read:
12 h 33 min
